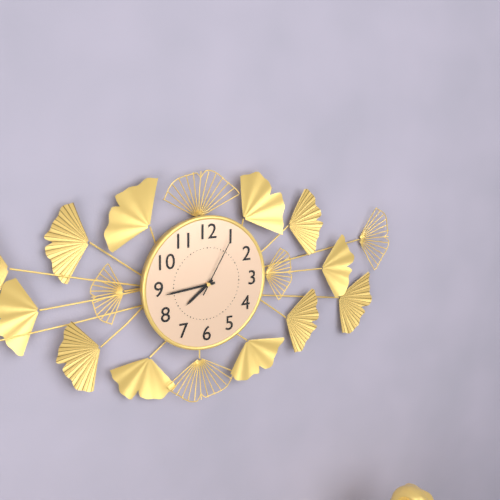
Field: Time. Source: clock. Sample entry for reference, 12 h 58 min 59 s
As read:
7 h 44 min 05 s
